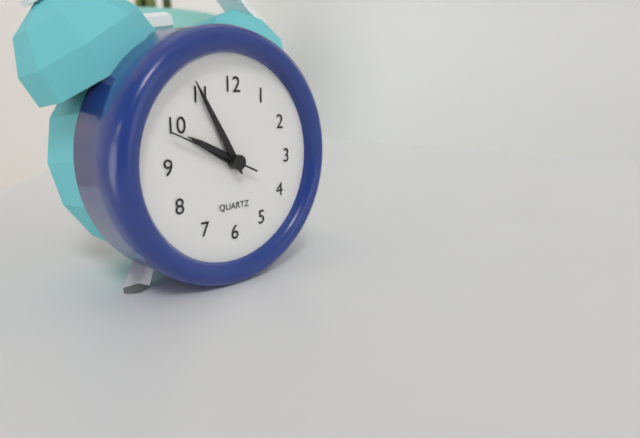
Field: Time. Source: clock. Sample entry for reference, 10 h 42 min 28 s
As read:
9 h 55 min 49 s
